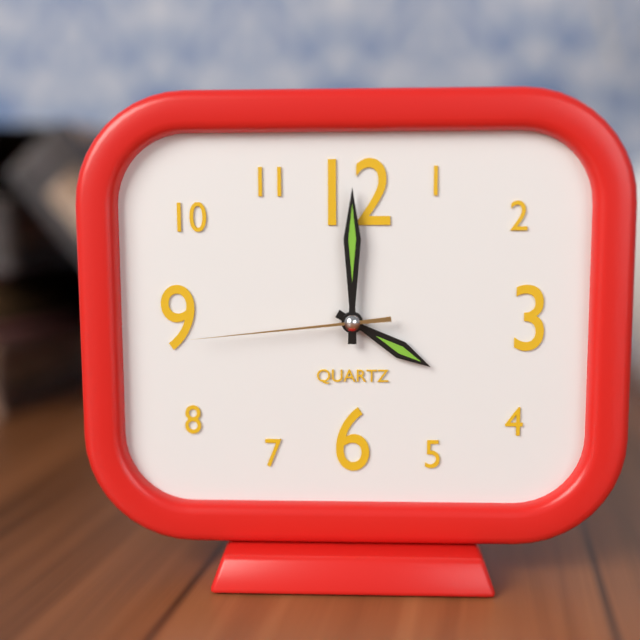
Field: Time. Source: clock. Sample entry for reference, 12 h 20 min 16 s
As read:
4 h 00 min 44 s
